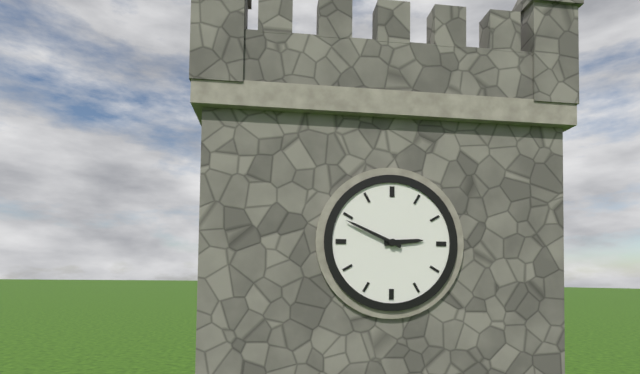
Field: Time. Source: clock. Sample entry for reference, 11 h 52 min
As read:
2 h 49 min
